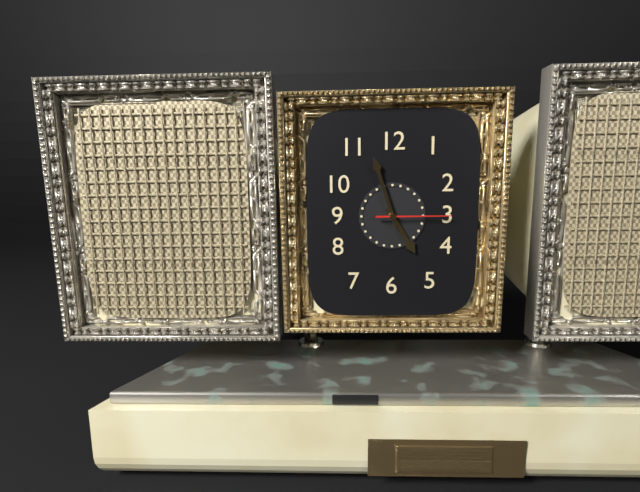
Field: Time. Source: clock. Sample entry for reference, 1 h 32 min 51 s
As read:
4 h 57 min 15 s
